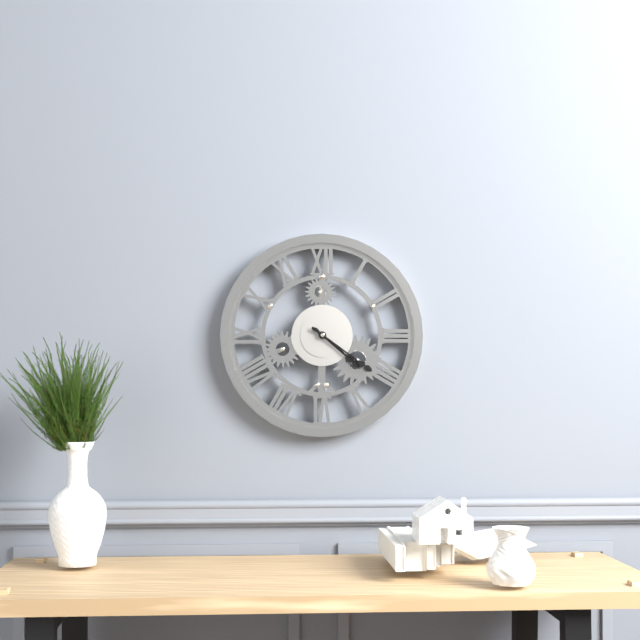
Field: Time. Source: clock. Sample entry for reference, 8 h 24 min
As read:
4 h 21 min
